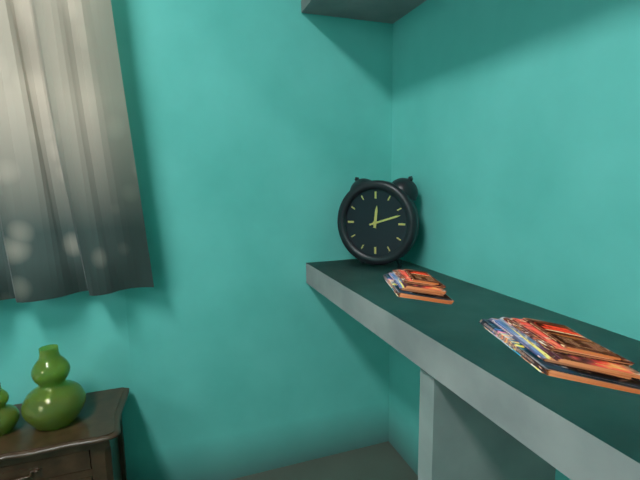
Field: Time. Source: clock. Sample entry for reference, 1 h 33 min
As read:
12 h 12 min
